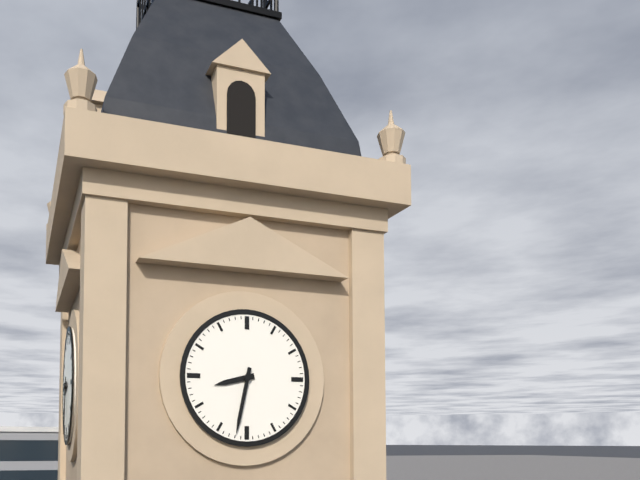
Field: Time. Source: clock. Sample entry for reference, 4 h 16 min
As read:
8 h 32 min
